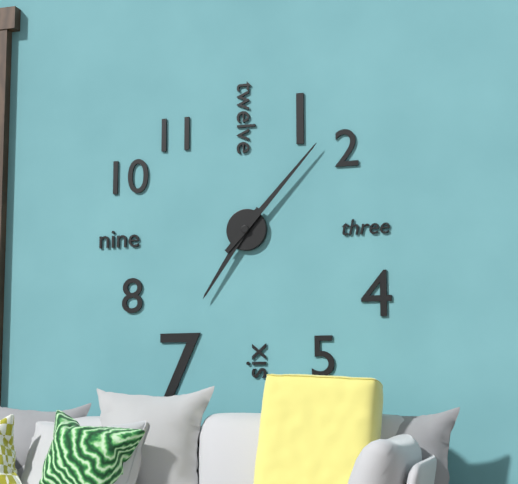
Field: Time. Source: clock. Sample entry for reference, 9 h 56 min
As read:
7 h 07 min
